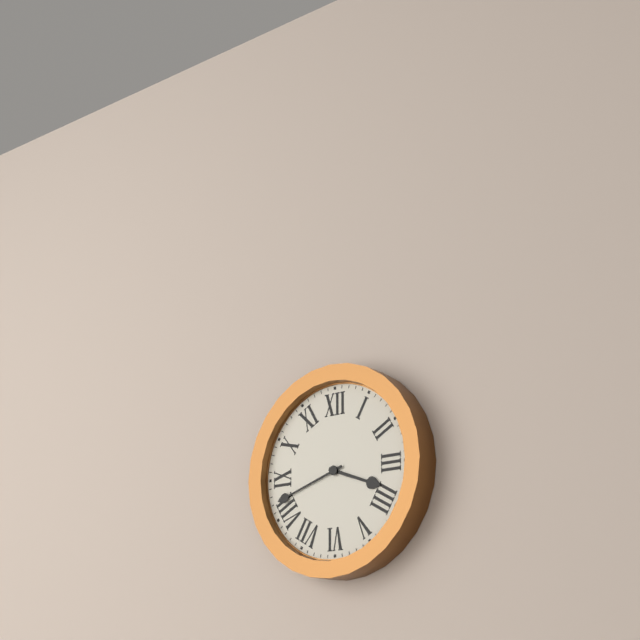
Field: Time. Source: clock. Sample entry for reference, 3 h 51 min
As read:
3 h 42 min
